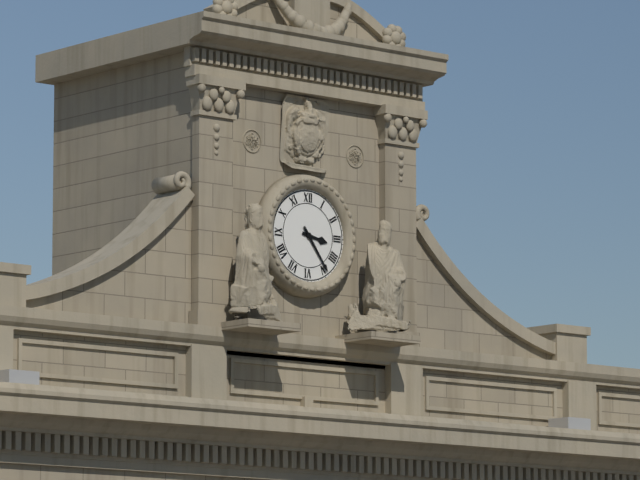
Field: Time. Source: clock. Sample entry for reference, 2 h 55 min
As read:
3 h 24 min
